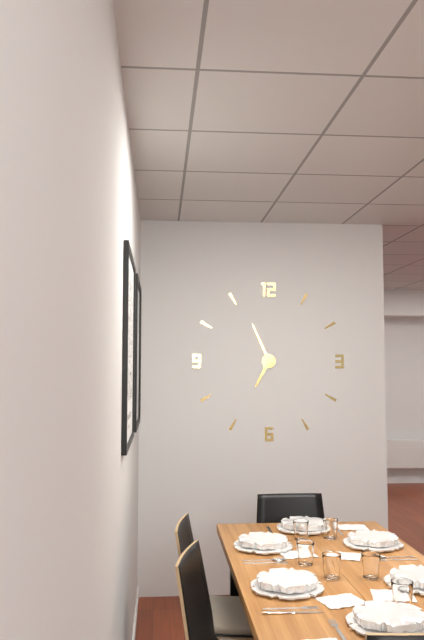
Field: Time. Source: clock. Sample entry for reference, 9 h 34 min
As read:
6 h 56 min
